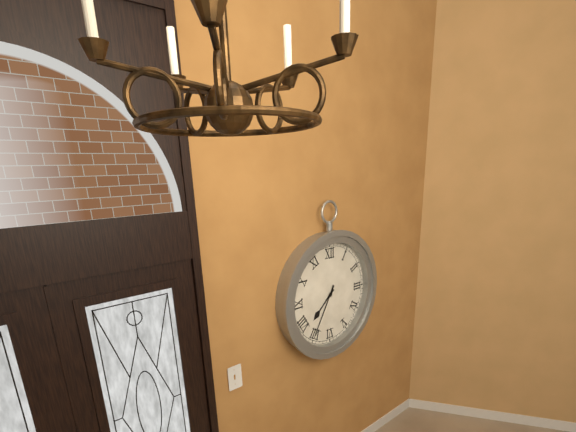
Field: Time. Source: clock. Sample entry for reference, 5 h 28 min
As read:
7 h 35 min
